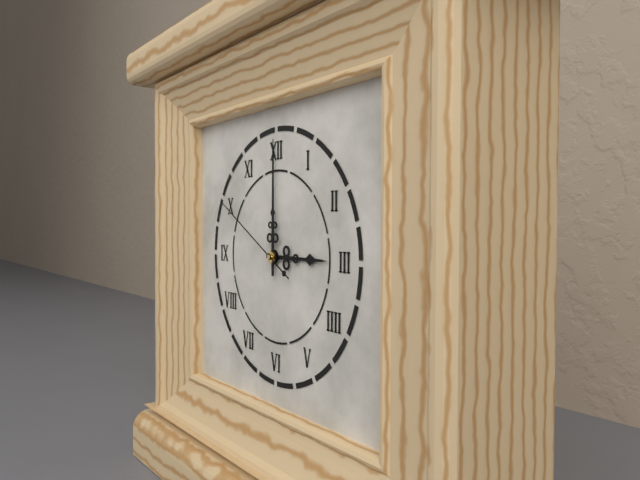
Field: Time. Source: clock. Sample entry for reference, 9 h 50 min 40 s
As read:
3 h 00 min 50 s
